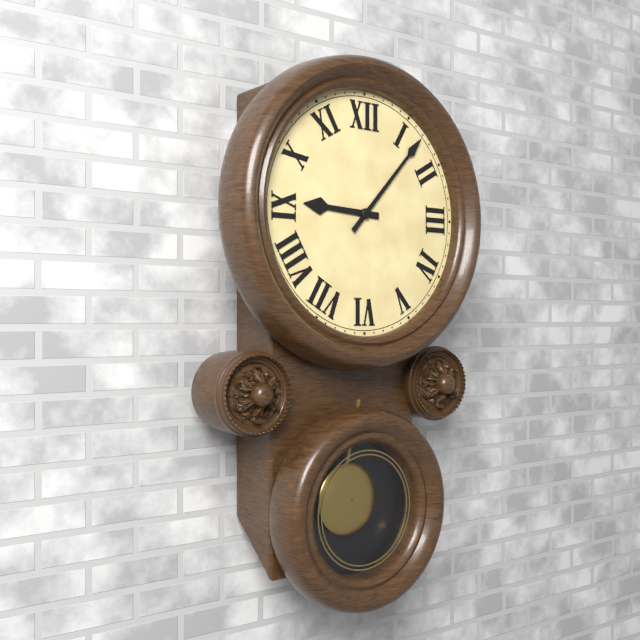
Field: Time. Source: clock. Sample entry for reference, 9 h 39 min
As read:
9 h 07 min
